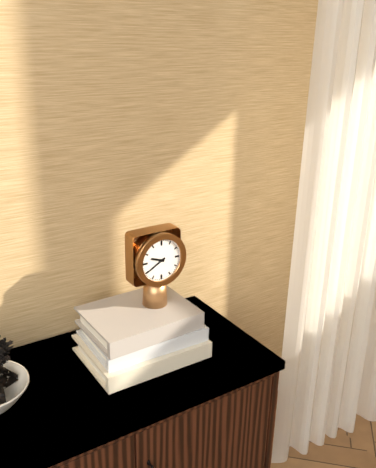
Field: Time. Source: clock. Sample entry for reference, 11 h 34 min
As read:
9 h 40 min
